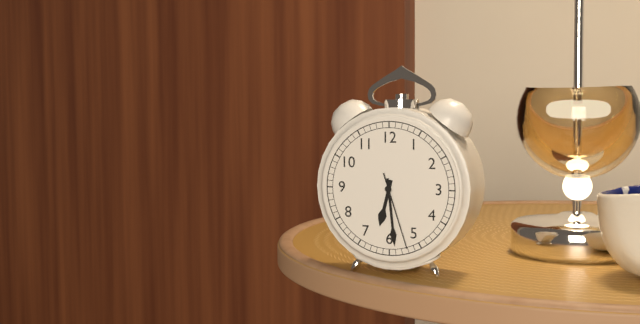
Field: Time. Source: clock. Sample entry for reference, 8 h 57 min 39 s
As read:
6 h 29 min 27 s
